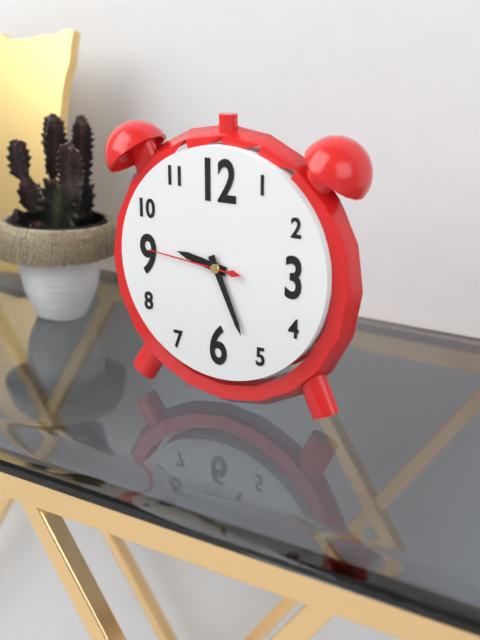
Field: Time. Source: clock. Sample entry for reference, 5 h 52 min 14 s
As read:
9 h 26 min 46 s
